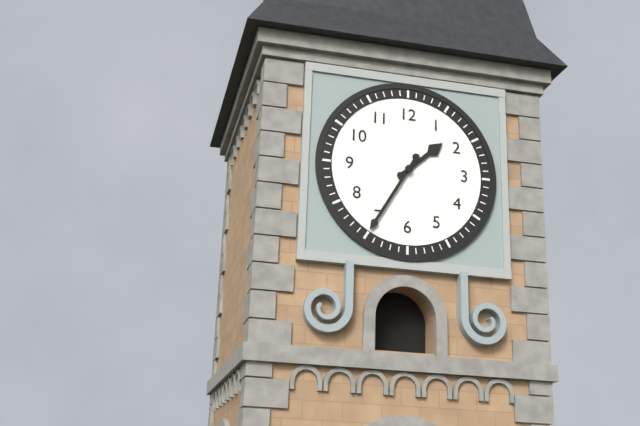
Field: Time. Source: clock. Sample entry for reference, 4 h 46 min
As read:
1 h 35 min
